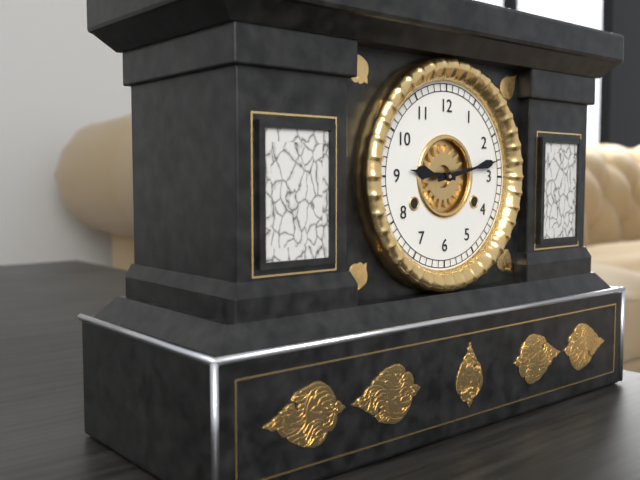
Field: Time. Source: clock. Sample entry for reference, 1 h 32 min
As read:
9 h 13 min
